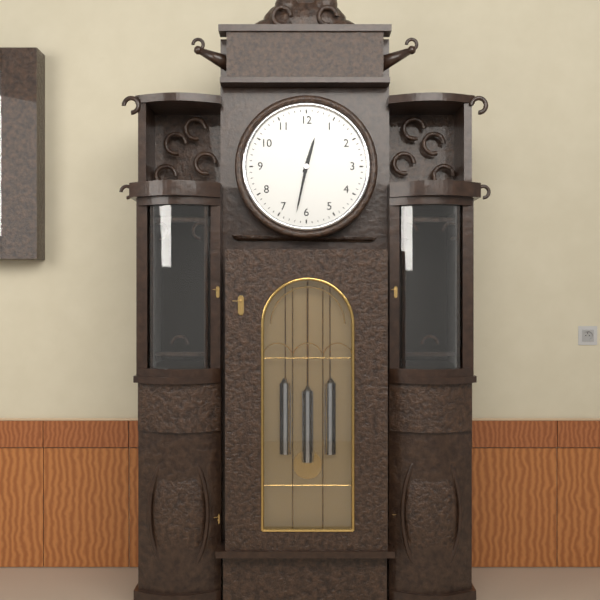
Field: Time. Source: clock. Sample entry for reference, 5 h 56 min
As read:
12 h 32 min
